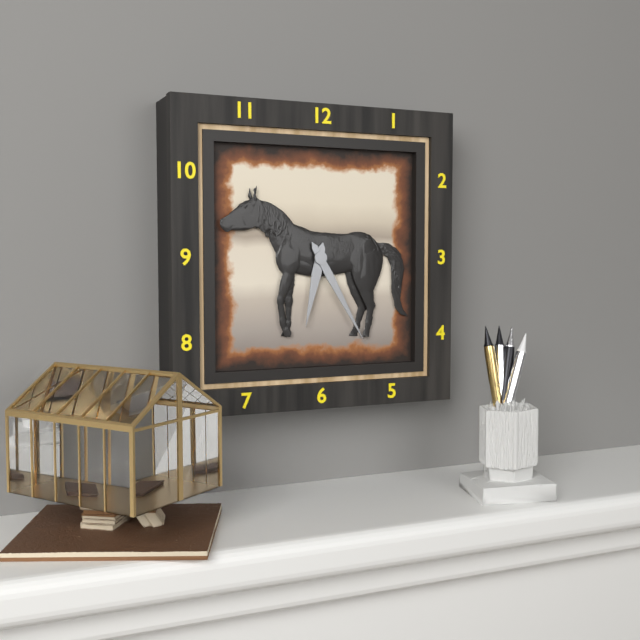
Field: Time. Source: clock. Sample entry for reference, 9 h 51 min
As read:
6 h 25 min
